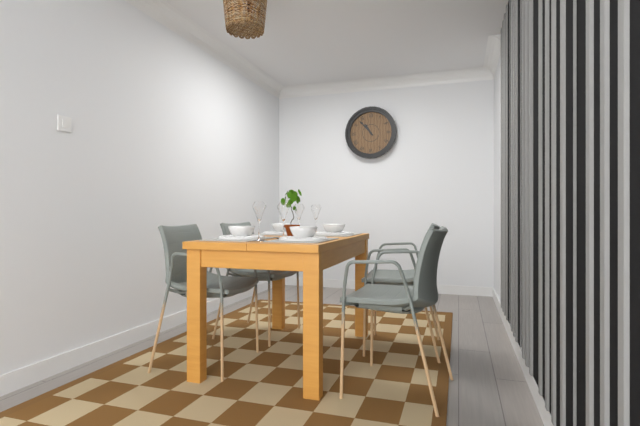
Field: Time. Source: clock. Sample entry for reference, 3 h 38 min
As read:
10 h 53 min
